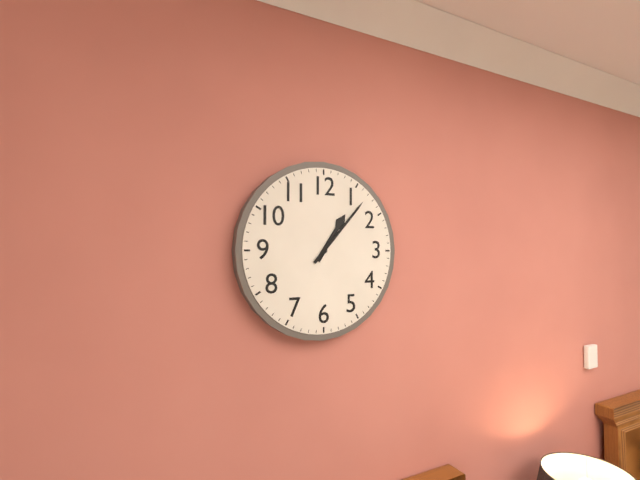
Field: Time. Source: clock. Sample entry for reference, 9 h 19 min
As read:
1 h 07 min
